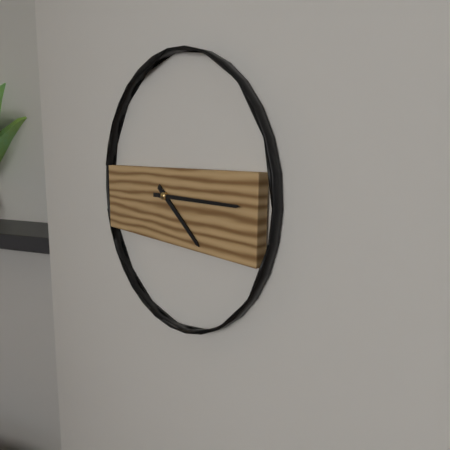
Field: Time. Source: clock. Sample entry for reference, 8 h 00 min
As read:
4 h 15 min
